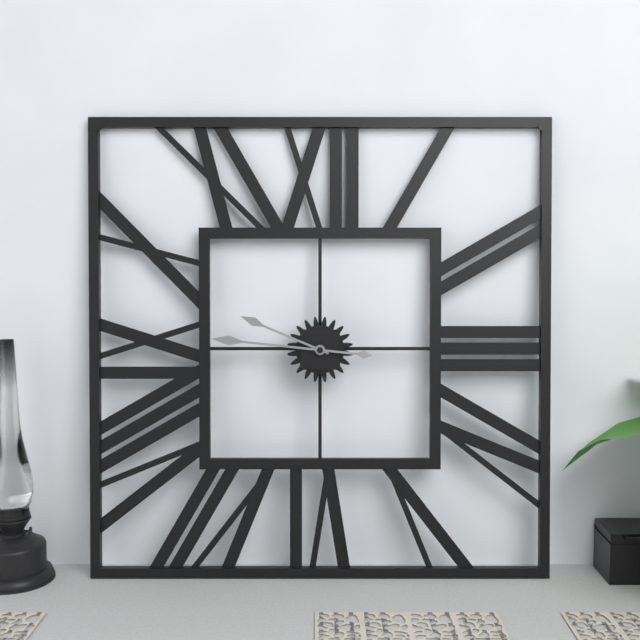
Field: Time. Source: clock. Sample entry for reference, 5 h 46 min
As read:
9 h 46 min
